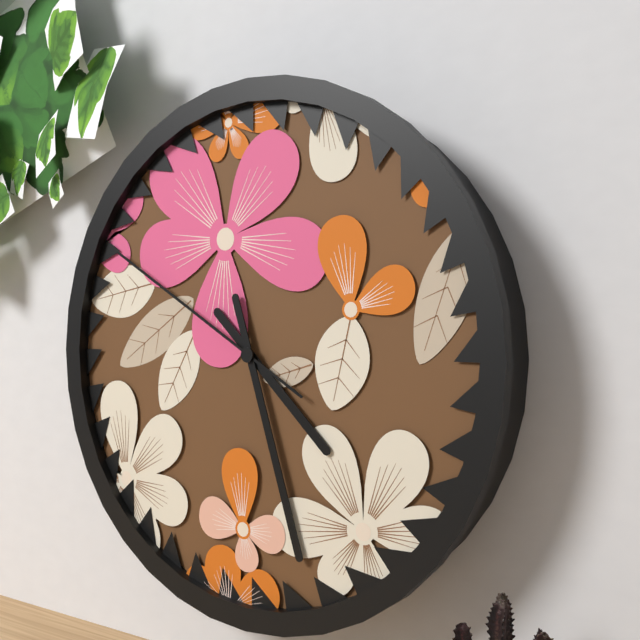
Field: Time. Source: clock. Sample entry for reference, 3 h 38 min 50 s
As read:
4 h 27 min 50 s
